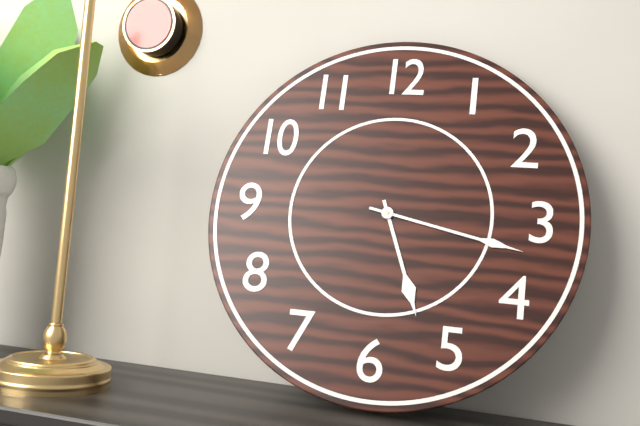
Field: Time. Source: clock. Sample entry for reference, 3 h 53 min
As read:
5 h 17 min
